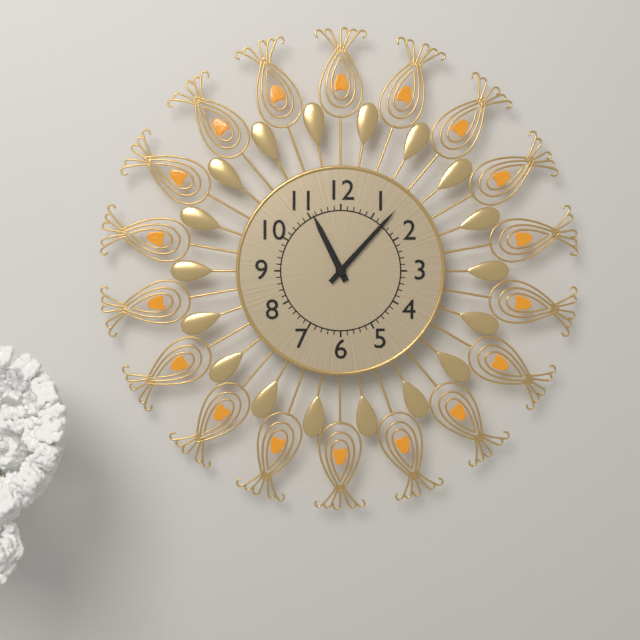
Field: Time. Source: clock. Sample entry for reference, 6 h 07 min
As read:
11 h 07 min
